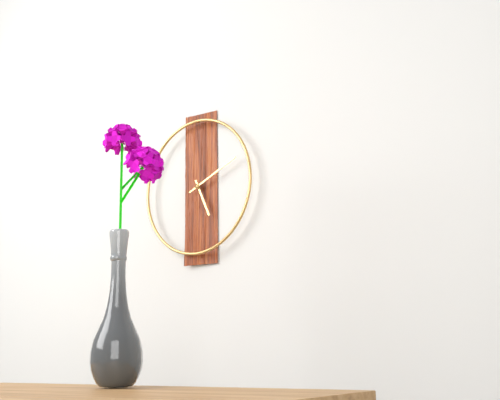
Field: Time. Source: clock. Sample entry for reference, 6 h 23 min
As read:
5 h 11 min
